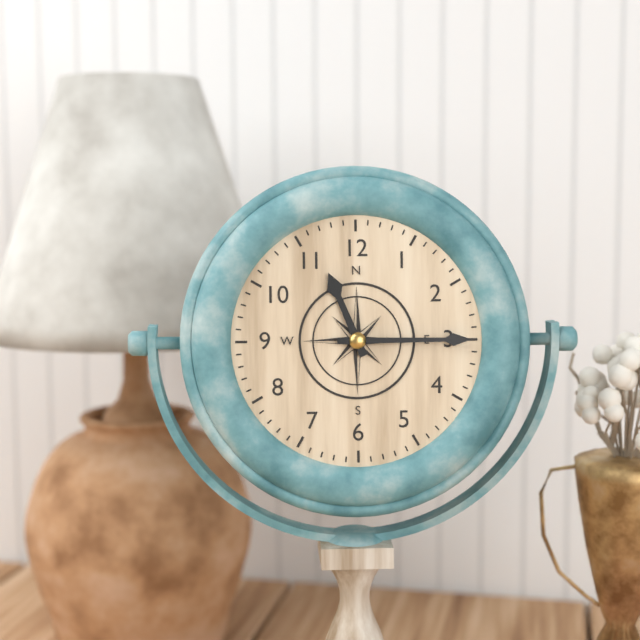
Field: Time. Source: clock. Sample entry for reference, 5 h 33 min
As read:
11 h 15 min
